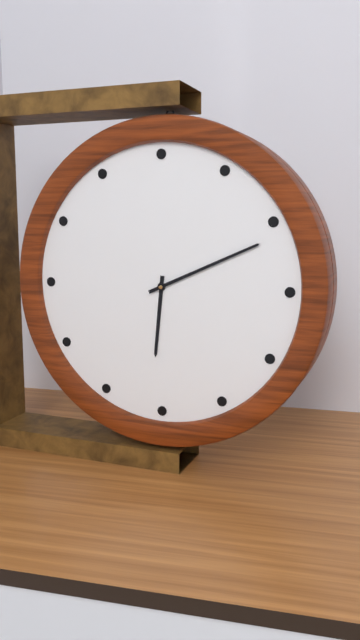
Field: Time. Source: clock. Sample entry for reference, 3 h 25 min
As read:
6 h 11 min
